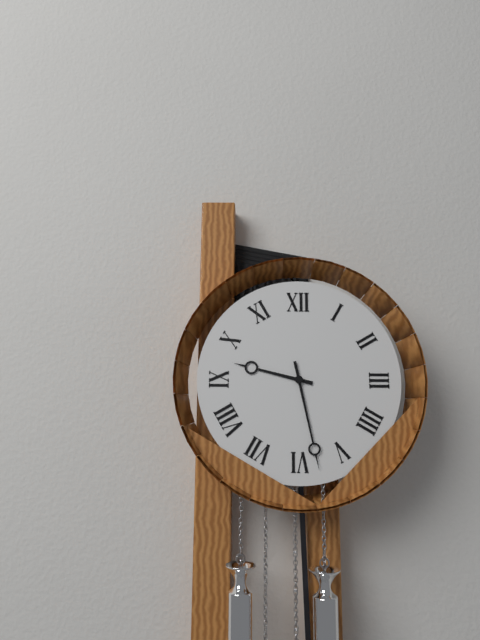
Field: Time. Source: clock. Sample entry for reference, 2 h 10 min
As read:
9 h 28 min
